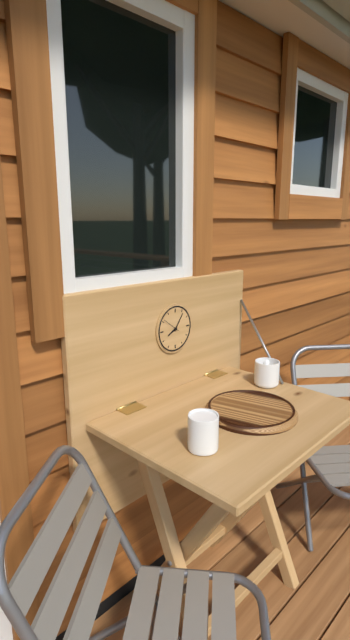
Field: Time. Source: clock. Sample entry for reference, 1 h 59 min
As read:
8 h 06 min
